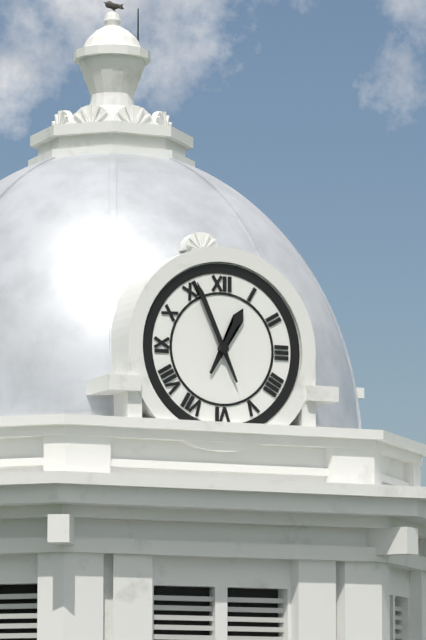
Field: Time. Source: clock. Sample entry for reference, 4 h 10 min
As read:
12 h 56 min
